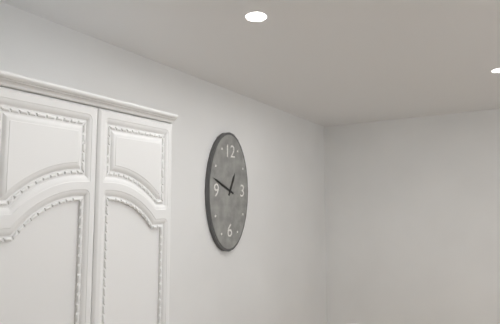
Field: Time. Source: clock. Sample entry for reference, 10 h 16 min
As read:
12 h 49 min
